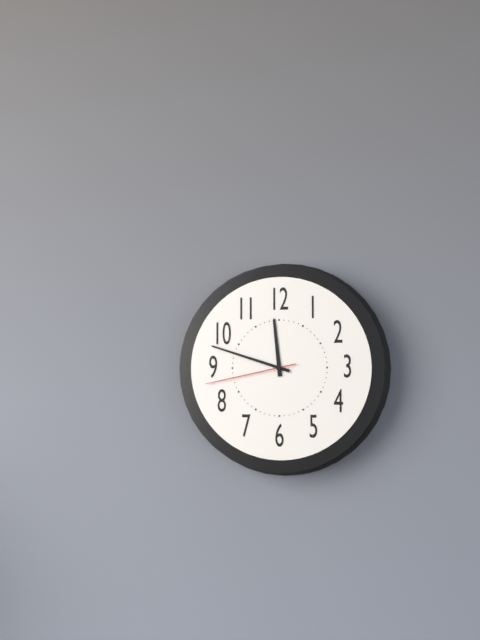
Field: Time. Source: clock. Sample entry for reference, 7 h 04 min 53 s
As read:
11 h 48 min 43 s
